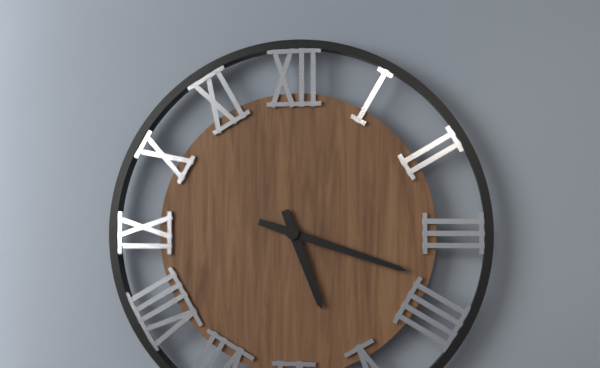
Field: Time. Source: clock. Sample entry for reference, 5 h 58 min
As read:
5 h 18 min
